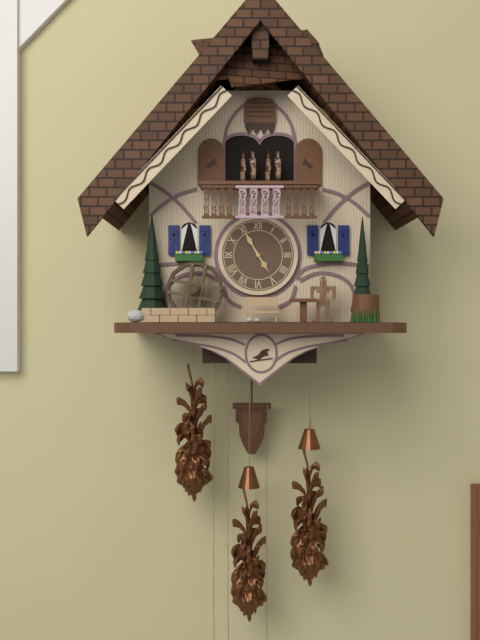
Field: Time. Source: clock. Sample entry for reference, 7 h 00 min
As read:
4 h 55 min
